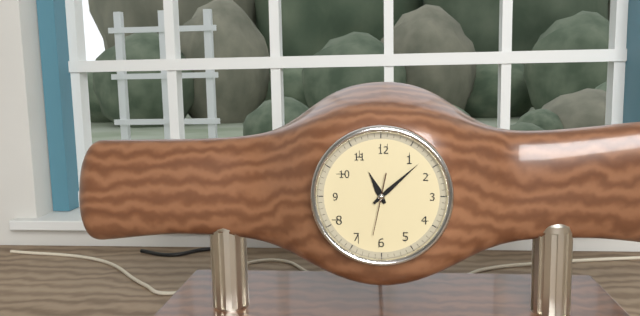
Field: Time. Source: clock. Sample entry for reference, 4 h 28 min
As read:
11 h 08 min
